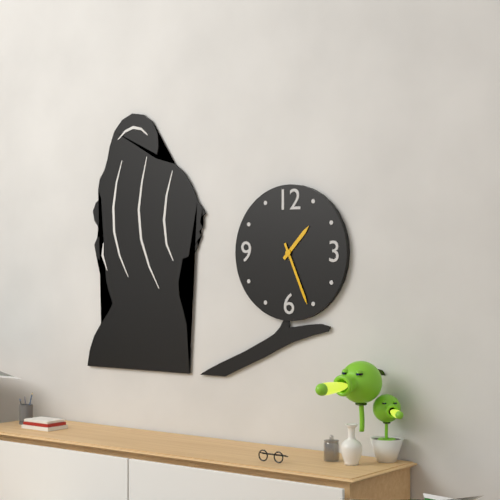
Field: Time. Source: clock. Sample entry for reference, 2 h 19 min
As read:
1 h 26 min
